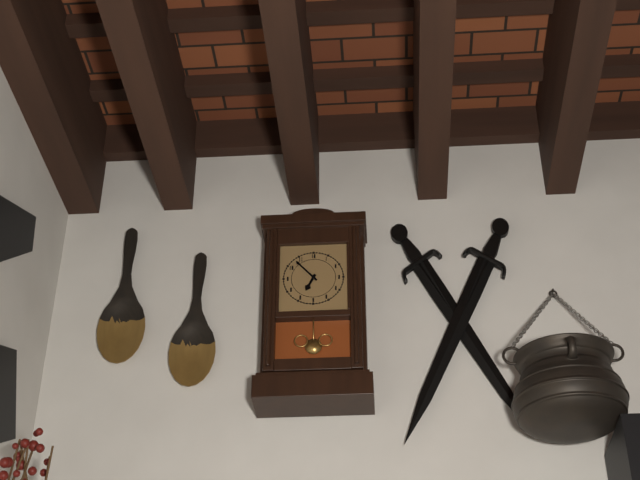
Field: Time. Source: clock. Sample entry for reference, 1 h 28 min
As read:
6 h 53 min
